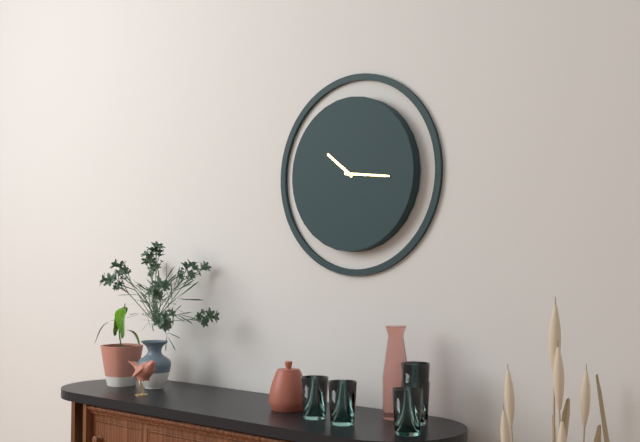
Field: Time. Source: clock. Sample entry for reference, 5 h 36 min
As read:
10 h 16 min
